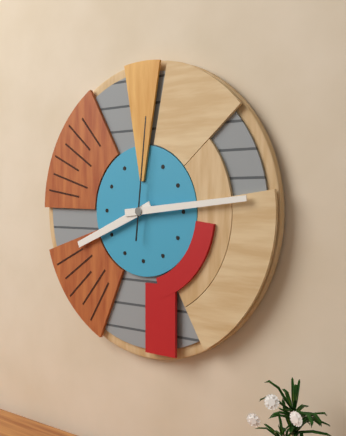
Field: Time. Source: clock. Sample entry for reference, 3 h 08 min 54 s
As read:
8 h 14 min 01 s
